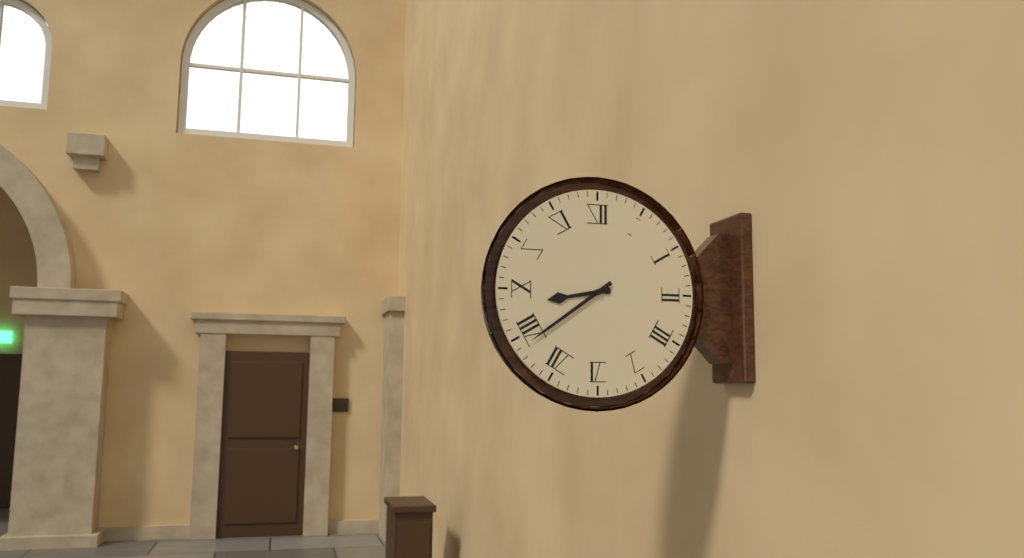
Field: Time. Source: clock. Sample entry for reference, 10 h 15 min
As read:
8 h 39 min
